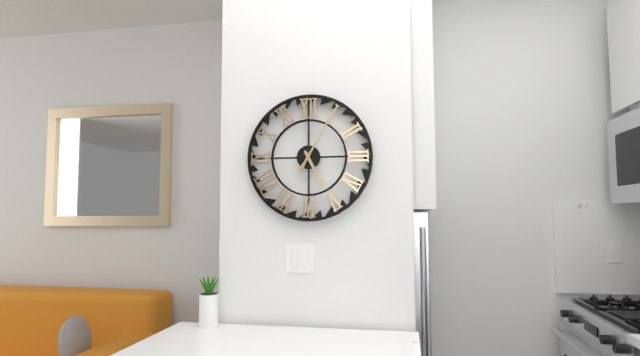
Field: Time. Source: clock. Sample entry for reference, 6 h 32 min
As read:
5 h 05 min
